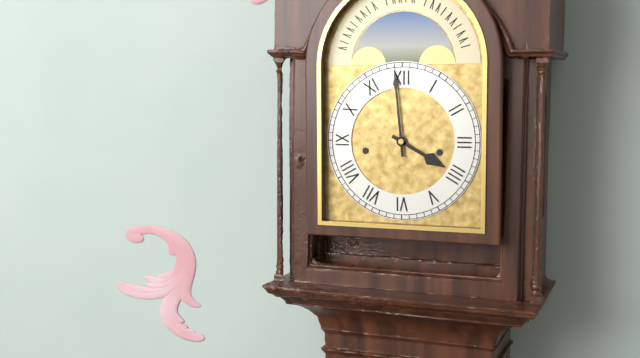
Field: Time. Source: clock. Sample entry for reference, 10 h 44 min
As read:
3 h 59 min
